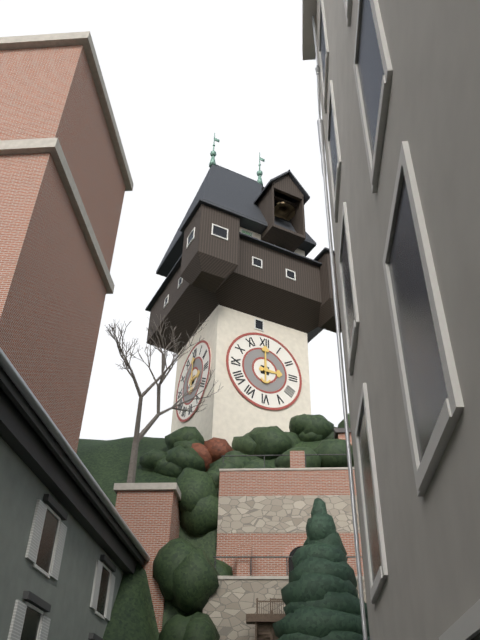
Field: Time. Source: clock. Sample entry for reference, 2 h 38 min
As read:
3 h 00 min
